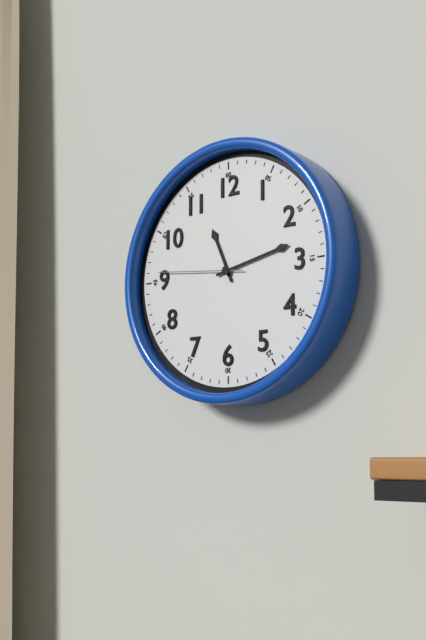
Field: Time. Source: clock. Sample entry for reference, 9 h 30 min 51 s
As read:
11 h 13 min 46 s
